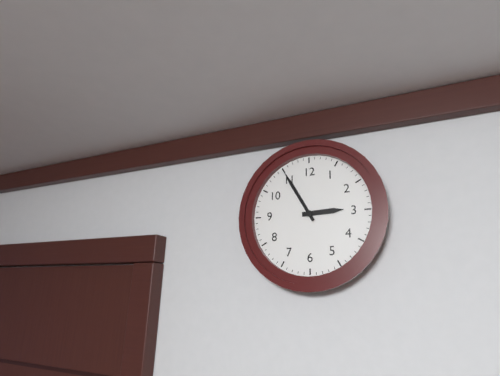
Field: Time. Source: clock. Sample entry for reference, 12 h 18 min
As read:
2 h 55 min
